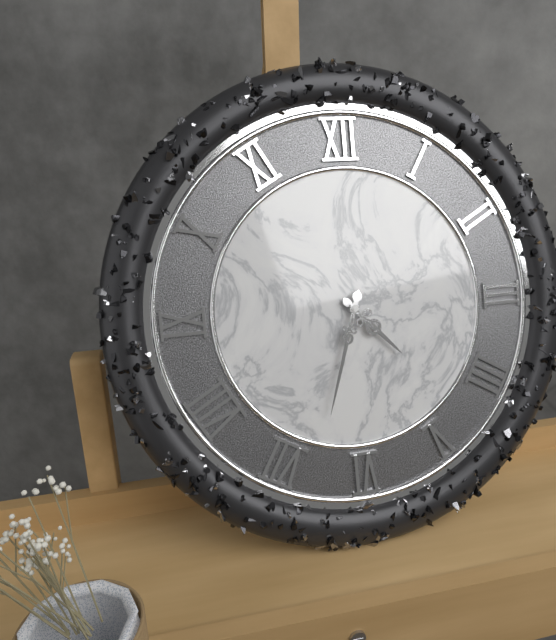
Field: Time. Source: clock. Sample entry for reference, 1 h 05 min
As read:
4 h 33 min
